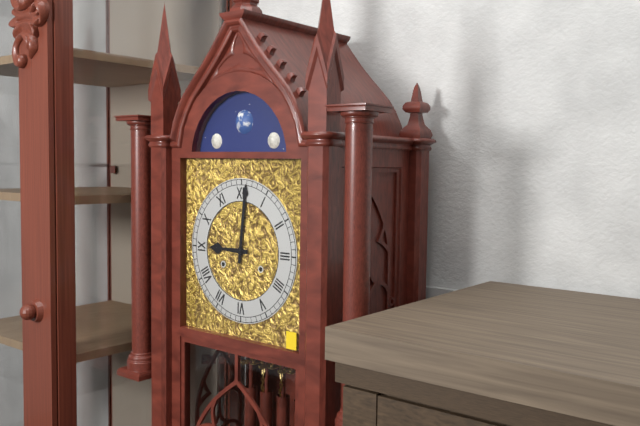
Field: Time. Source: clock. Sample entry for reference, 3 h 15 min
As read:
9 h 01 min
